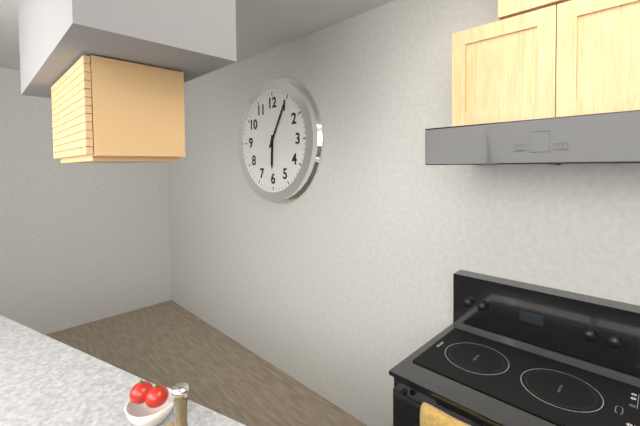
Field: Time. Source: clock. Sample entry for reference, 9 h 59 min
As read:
6 h 05 min
